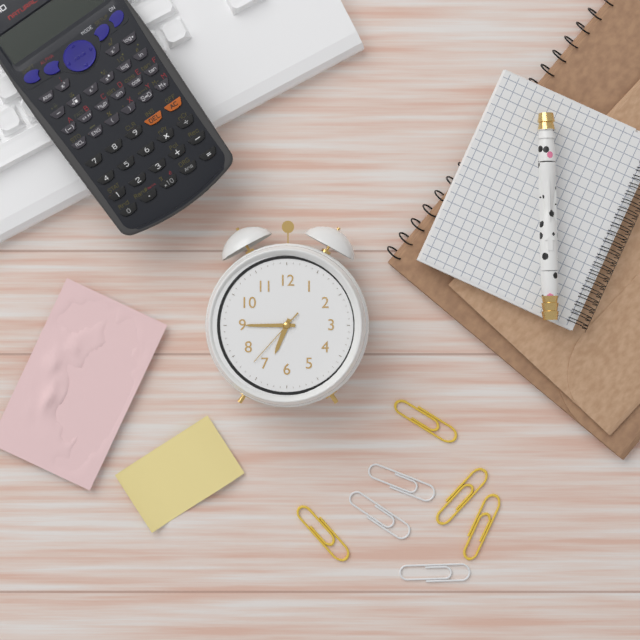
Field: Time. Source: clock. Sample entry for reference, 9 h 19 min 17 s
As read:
6 h 45 min 37 s
